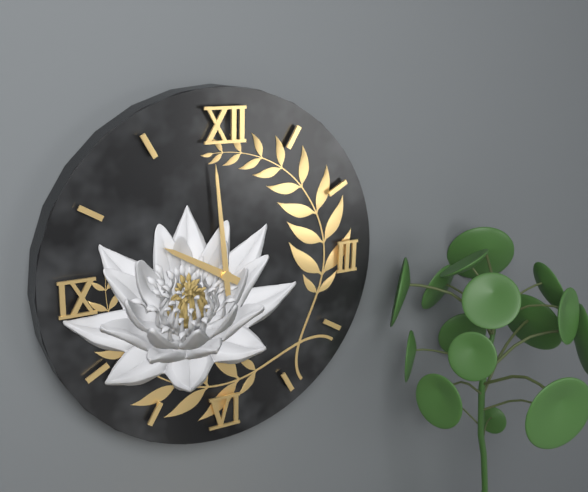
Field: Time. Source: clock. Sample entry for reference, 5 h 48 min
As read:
9 h 59 min
